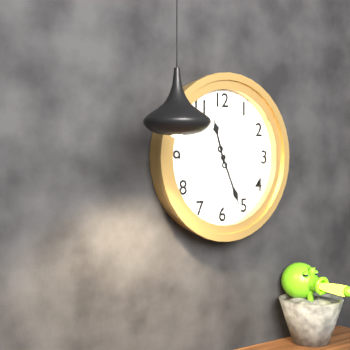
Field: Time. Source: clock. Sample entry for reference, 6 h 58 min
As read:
11 h 26 min
